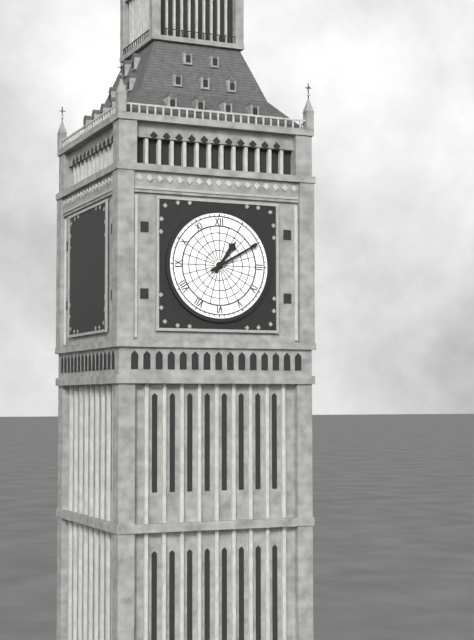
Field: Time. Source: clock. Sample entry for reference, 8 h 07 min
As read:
1 h 10 min
